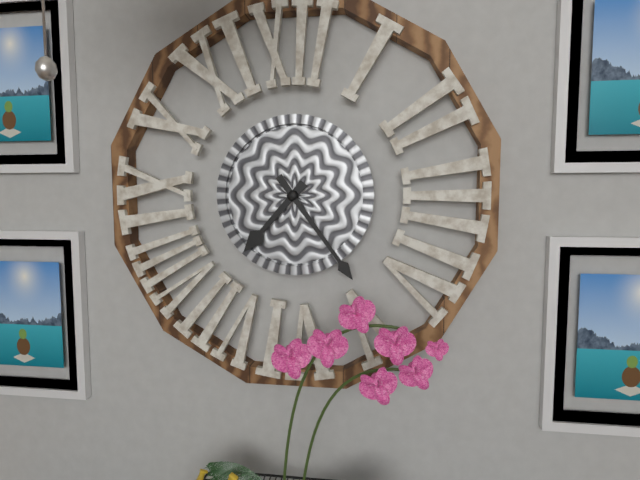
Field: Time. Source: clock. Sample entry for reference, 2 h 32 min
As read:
7 h 24 min
